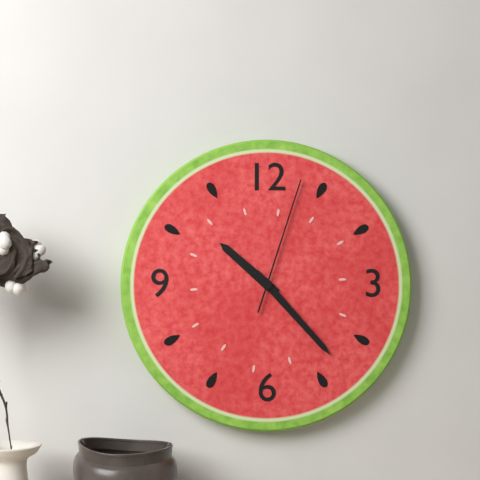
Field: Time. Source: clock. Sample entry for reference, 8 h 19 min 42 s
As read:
10 h 23 min 03 s
